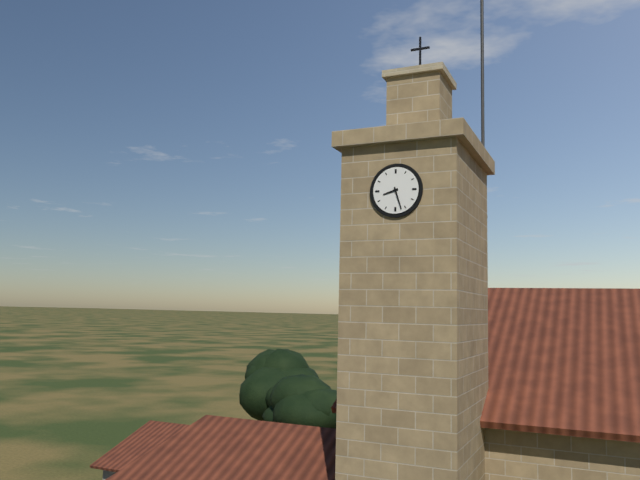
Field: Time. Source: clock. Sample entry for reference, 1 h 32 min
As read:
8 h 27 min
